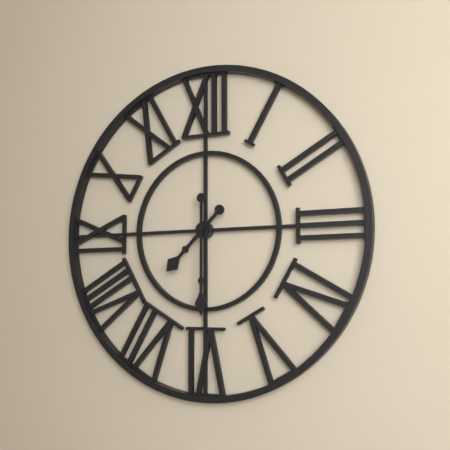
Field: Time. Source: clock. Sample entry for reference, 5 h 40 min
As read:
7 h 30 min
